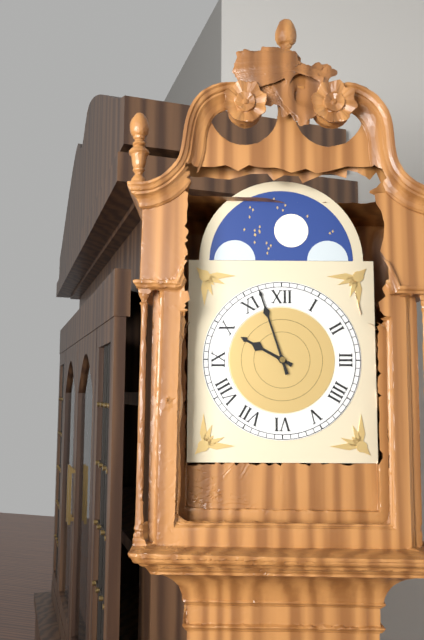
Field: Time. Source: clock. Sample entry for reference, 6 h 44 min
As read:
9 h 57 min
